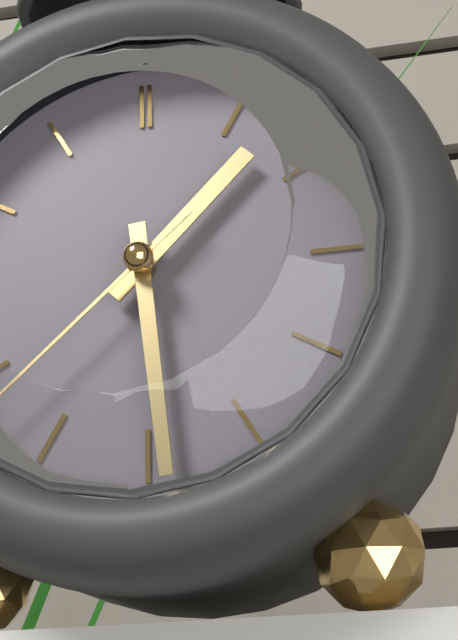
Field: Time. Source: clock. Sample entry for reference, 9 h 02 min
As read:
1 h 29 min
